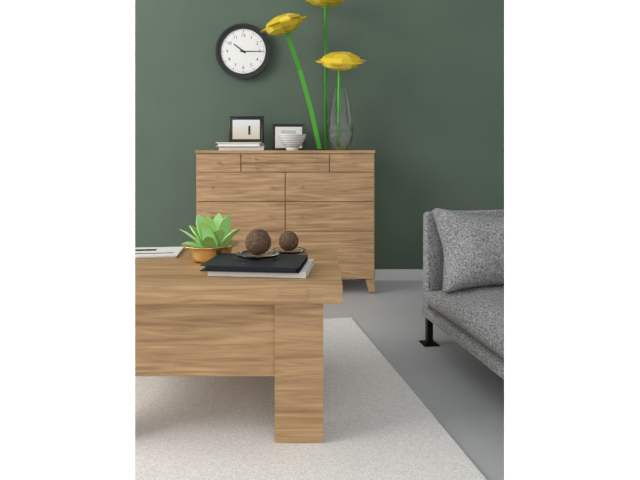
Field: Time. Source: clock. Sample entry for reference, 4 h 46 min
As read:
10 h 15 min
